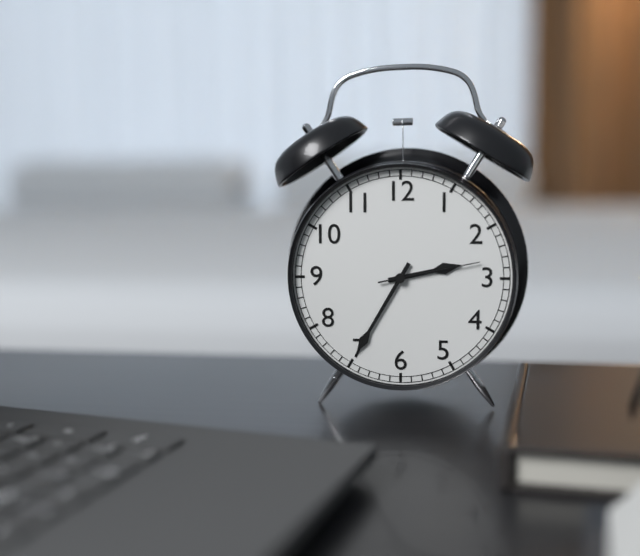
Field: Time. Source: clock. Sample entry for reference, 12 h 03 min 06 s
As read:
2 h 35 min 13 s
